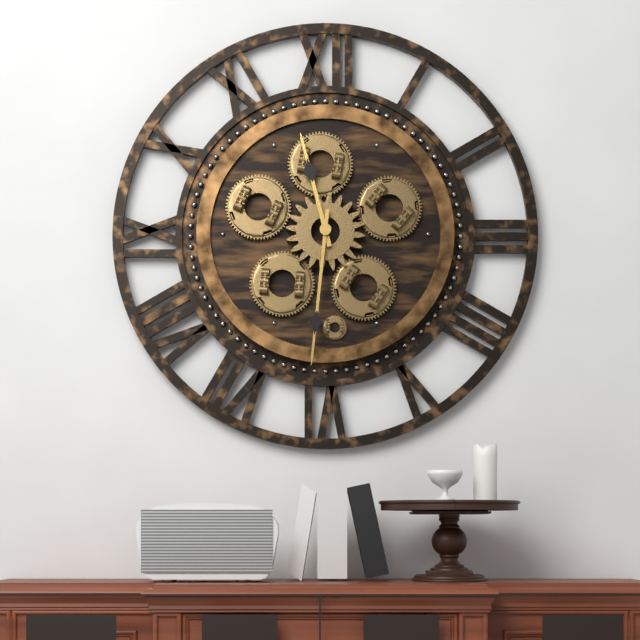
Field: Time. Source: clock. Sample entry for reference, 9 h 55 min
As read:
11 h 31 min
